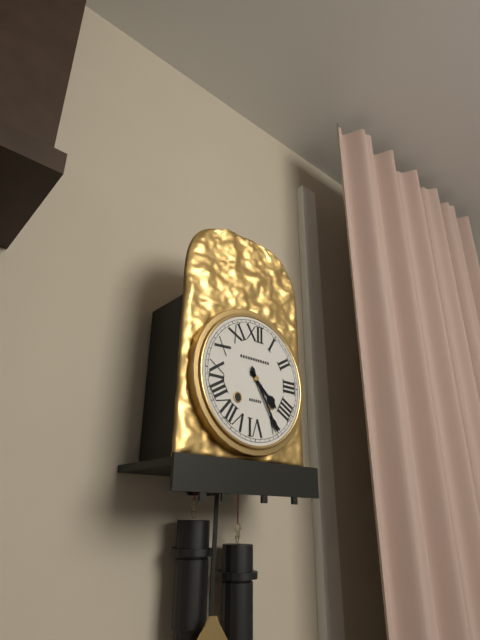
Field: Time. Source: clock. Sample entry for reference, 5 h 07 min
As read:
4 h 25 min
